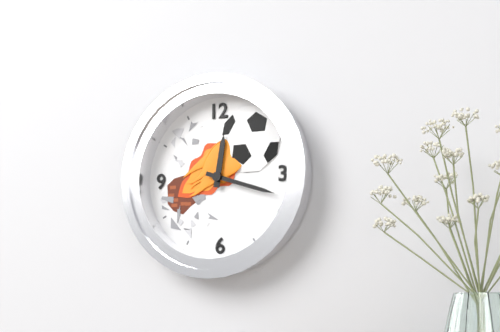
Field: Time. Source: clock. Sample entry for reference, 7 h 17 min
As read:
12 h 18 min
